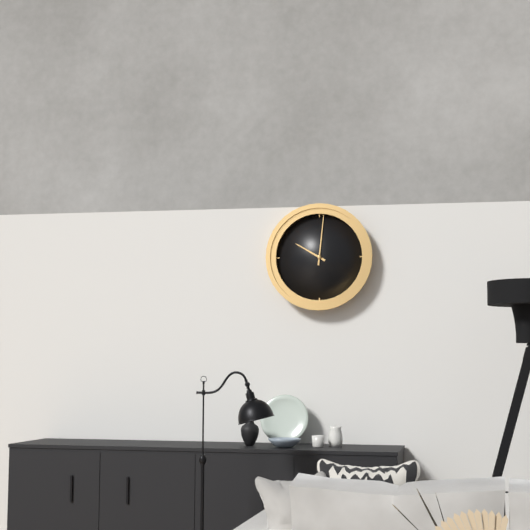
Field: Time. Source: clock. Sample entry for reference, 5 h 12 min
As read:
10 h 01 min
